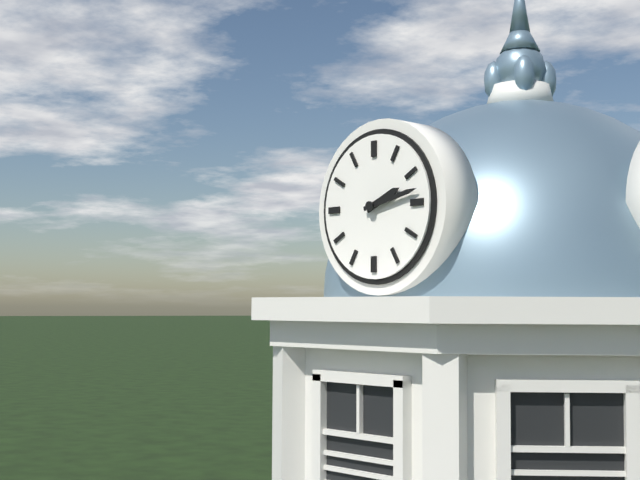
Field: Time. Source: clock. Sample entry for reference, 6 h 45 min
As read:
2 h 13 min
